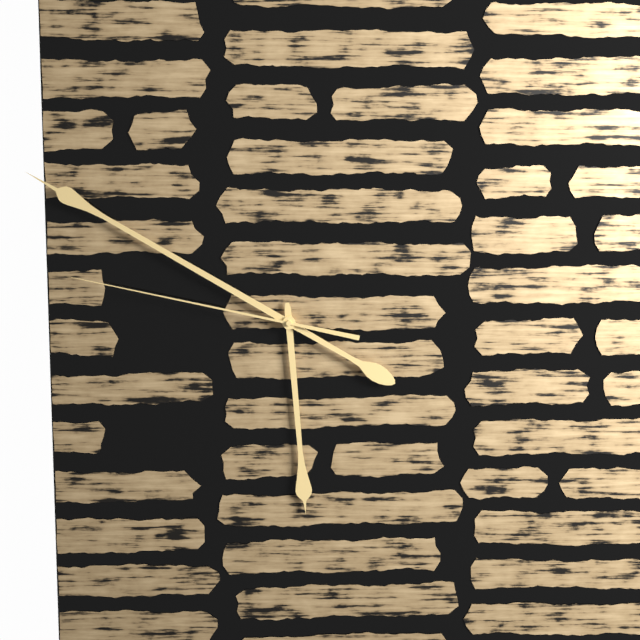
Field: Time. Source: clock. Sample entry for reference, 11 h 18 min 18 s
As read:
5 h 50 min 47 s
